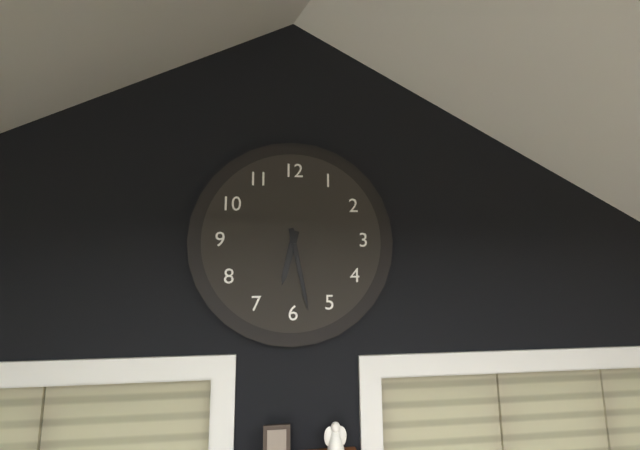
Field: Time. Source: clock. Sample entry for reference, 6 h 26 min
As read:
6 h 28 min
